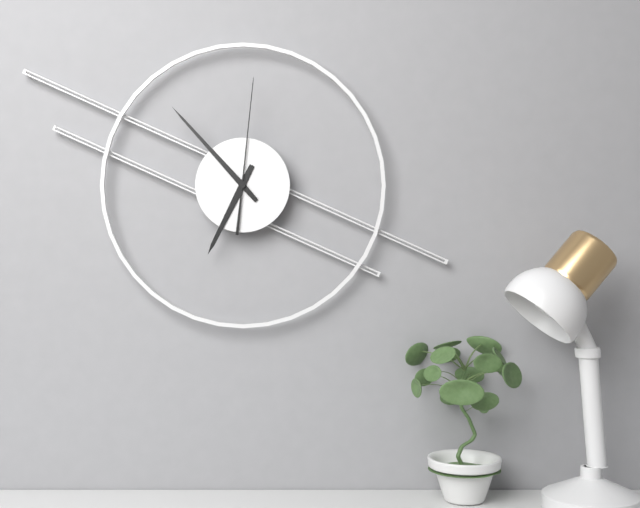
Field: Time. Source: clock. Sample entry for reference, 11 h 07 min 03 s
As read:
6 h 53 min 01 s
